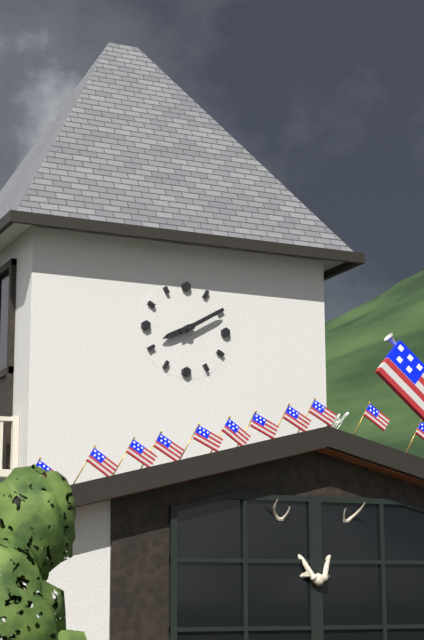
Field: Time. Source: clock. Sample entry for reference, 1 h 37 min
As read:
8 h 10 min
